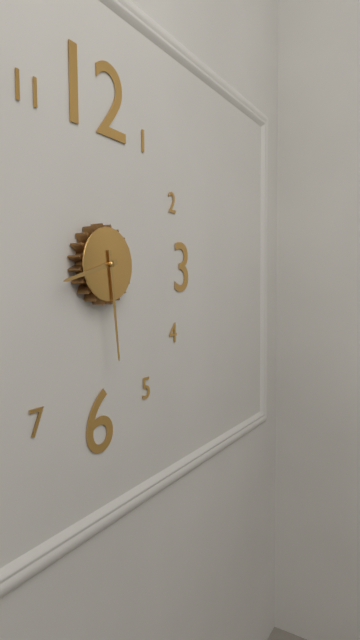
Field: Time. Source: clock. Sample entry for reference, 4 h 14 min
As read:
8 h 29 min
